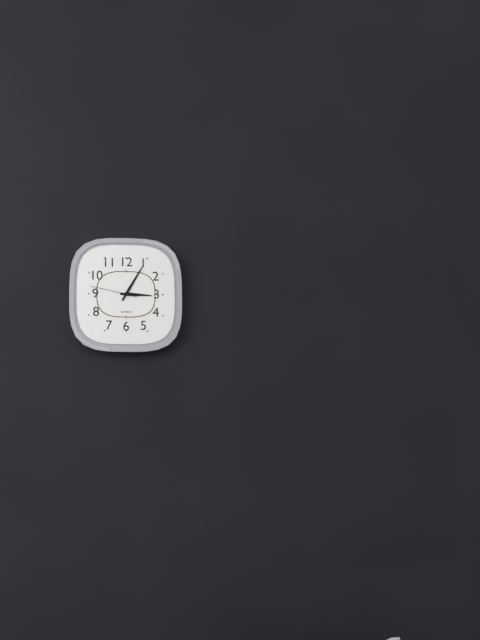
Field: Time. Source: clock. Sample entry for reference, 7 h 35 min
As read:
3 h 05 min
